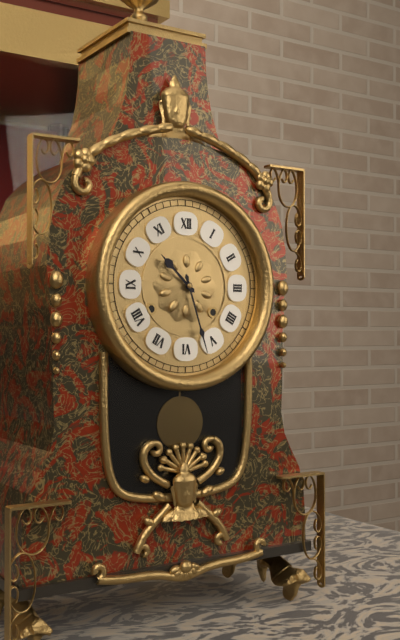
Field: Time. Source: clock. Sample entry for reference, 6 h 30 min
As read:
10 h 27 min
